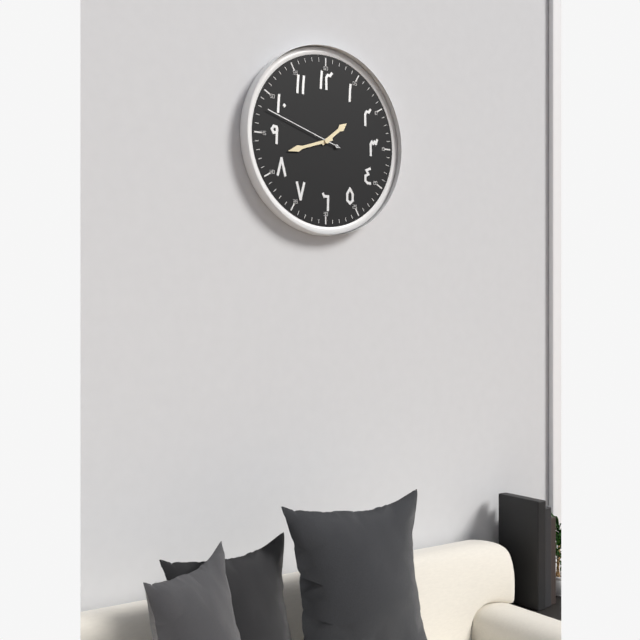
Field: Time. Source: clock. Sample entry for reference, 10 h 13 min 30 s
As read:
1 h 42 min 48 s
